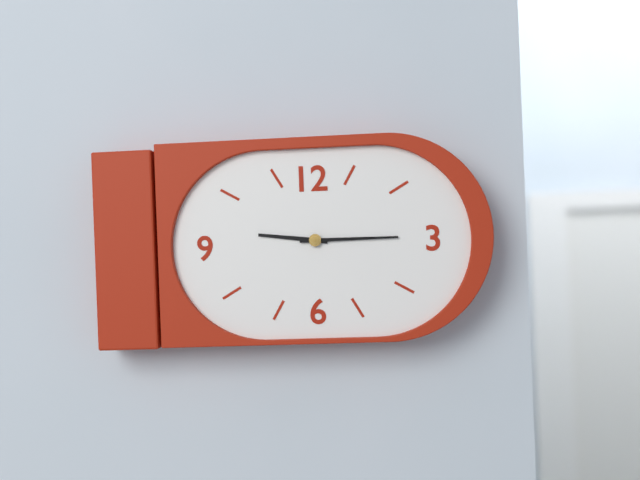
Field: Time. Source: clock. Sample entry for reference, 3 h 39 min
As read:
9 h 15 min
